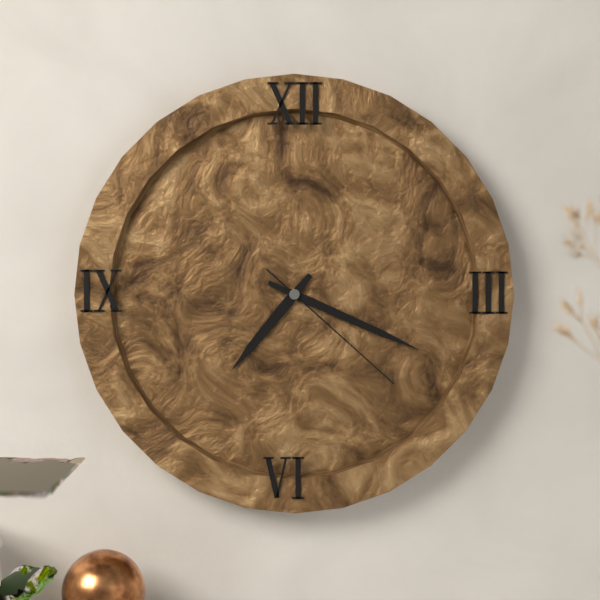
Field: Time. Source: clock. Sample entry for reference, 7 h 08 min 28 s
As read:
7 h 19 min 22 s
